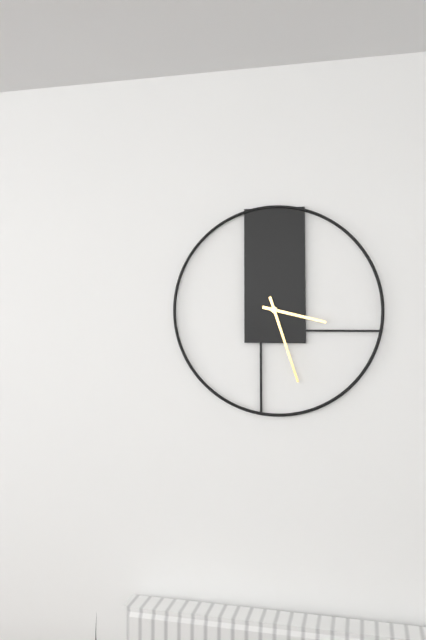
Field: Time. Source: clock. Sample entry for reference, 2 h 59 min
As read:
3 h 27 min
